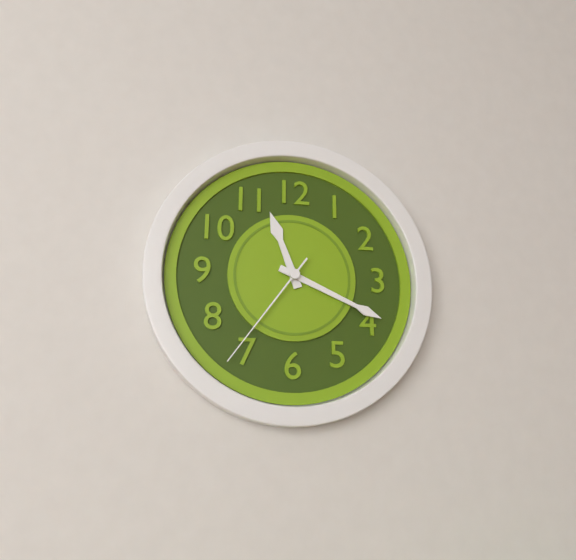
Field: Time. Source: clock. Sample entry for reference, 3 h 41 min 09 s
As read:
11 h 19 min 36 s
